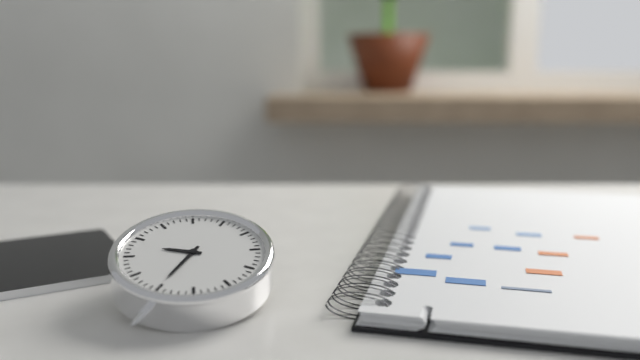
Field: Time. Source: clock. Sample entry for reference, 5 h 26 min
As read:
9 h 35 min
